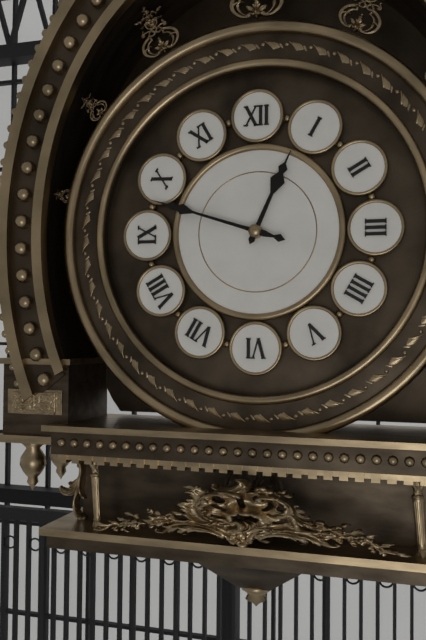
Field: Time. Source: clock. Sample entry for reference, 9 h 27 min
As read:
12 h 48 min
